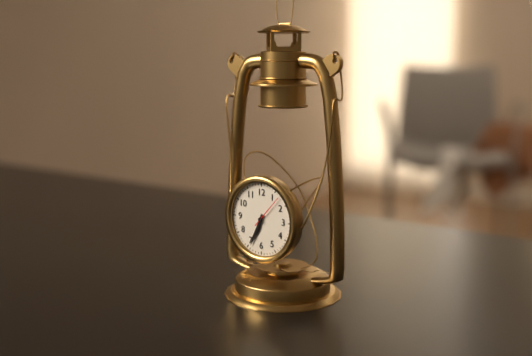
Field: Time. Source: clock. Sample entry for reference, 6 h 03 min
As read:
6 h 34 min
